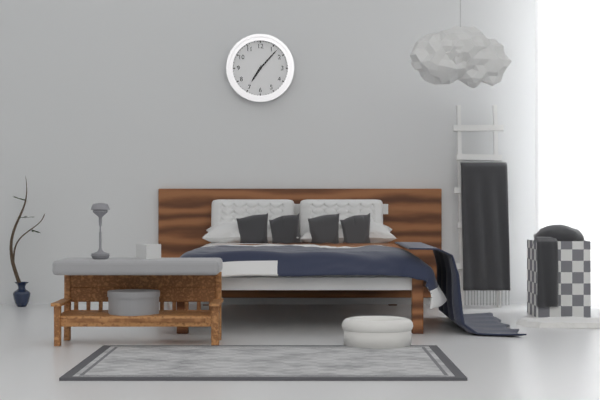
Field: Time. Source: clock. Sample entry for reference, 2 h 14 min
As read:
7 h 07 min
